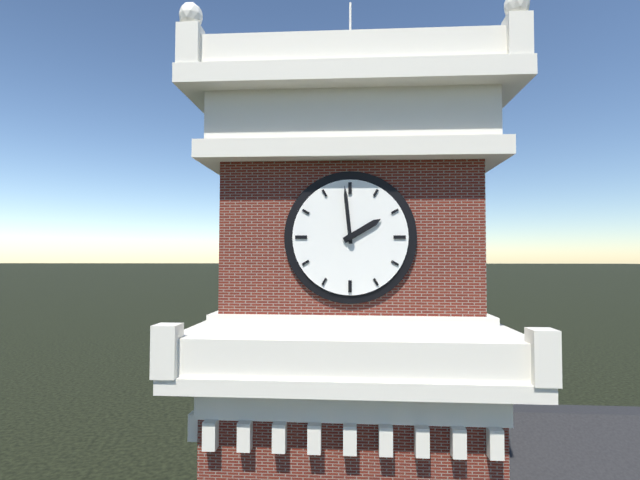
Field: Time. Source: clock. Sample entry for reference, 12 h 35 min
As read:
1 h 59 min
